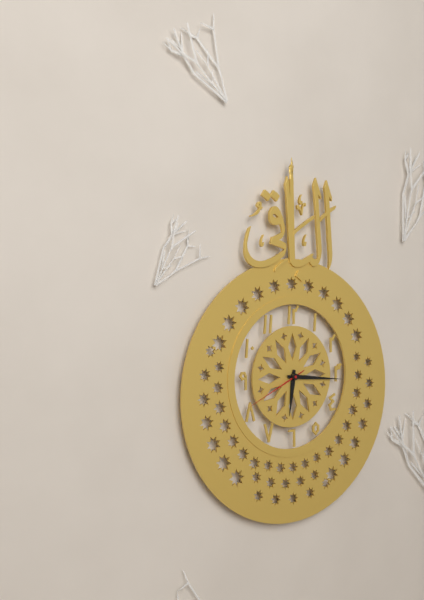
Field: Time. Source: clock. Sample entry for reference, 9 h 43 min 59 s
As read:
6 h 16 min 41 s
